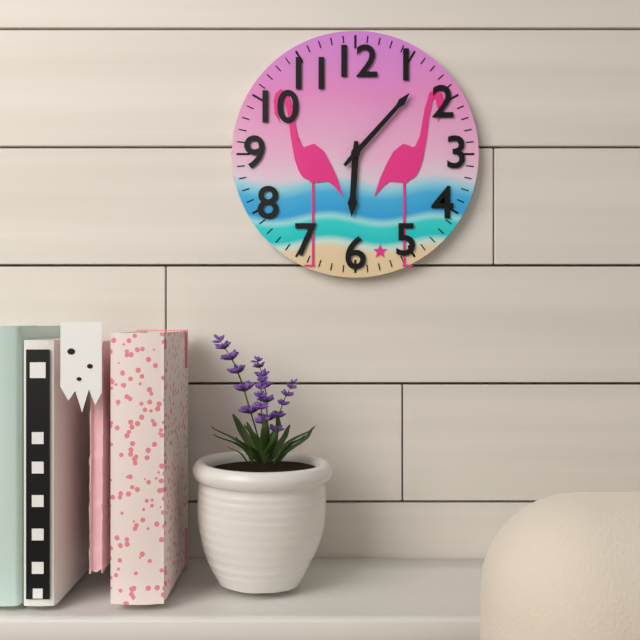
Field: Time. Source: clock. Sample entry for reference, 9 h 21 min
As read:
6 h 07 min
